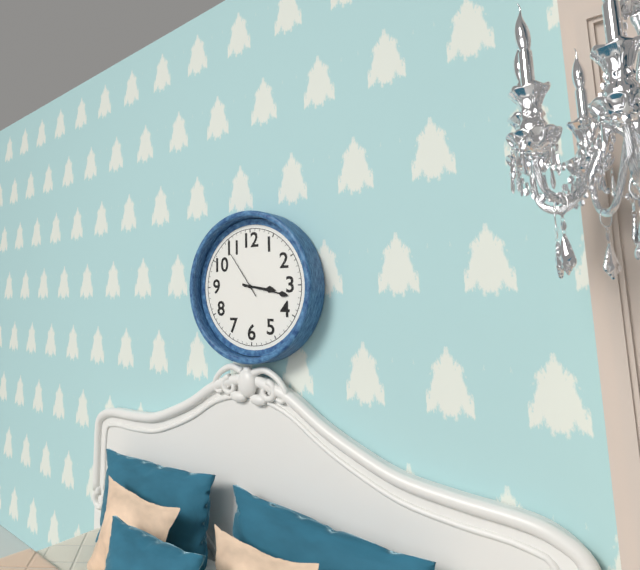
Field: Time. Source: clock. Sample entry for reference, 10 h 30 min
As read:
3 h 17 min
